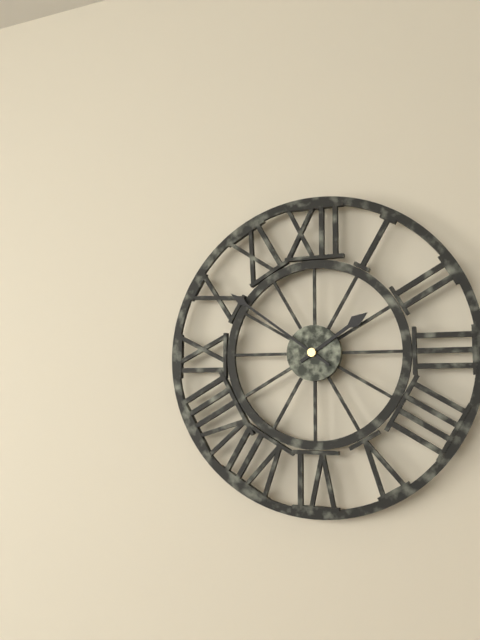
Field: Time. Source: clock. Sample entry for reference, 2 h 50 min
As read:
1 h 51 min
